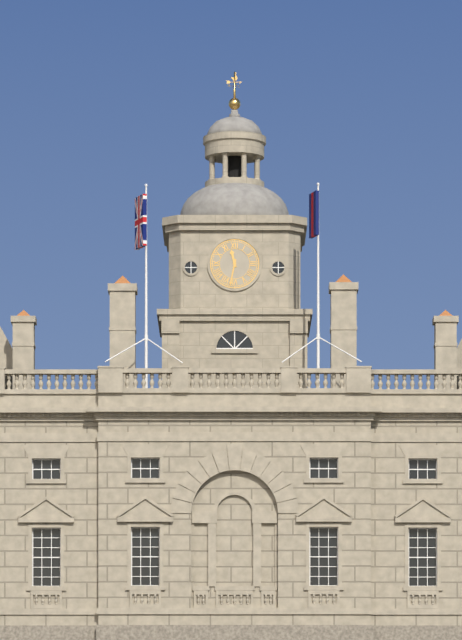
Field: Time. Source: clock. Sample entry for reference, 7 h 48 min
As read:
11 h 32 min
